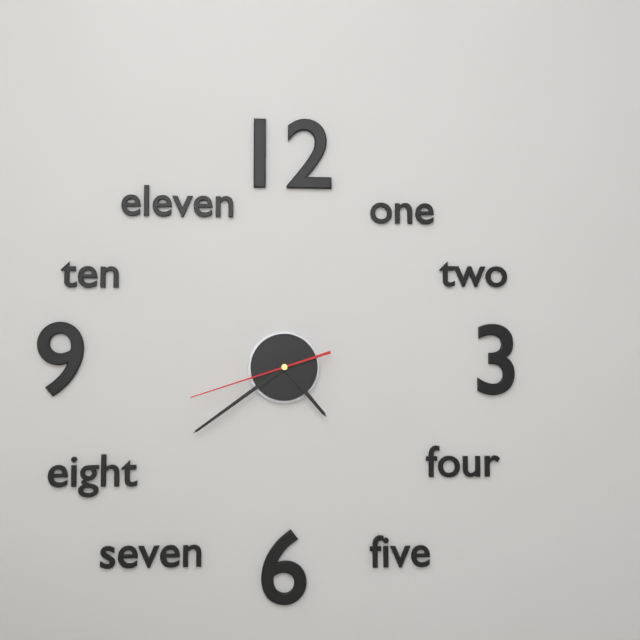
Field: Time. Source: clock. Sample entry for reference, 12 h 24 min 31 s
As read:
4 h 39 min 42 s
